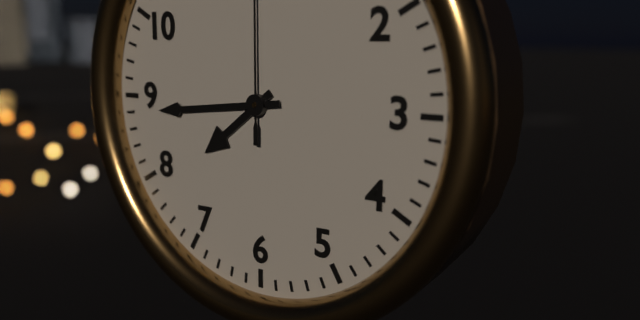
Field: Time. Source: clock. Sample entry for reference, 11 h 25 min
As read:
7 h 44 min
